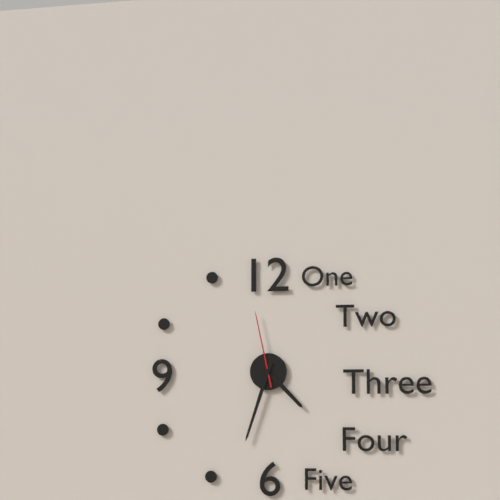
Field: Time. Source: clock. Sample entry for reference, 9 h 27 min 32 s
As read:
4 h 33 min 58 s
